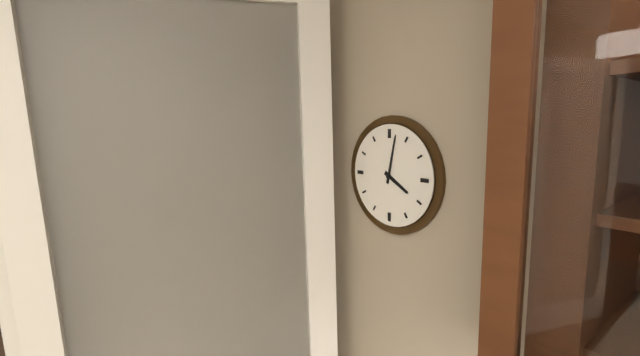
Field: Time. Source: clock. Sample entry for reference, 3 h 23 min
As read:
4 h 02 min
